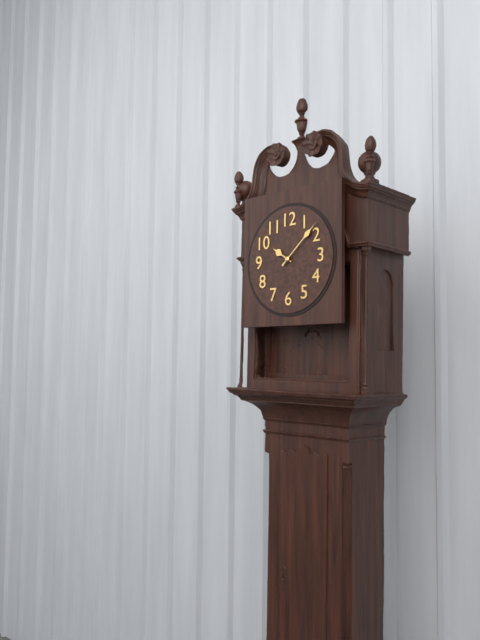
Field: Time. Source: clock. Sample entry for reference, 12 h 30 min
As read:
10 h 08 min
